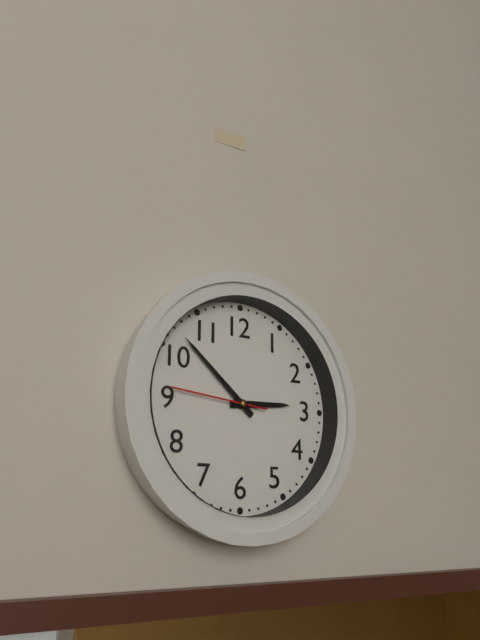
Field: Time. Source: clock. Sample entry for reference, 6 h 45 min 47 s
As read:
2 h 52 min 46 s
